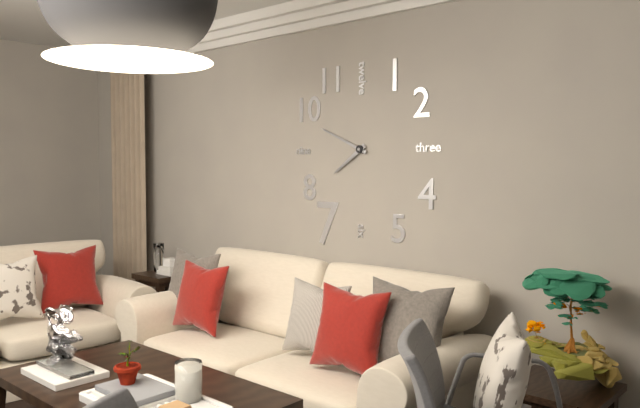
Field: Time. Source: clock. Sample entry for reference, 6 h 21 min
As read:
7 h 49 min
